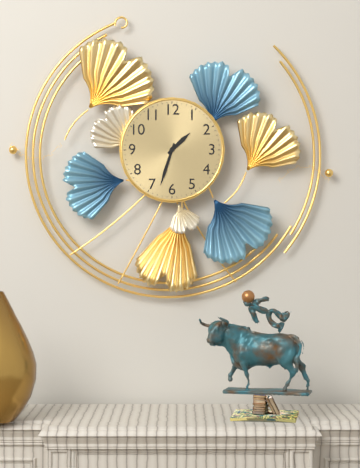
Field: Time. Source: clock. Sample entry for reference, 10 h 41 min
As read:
1 h 33 min
